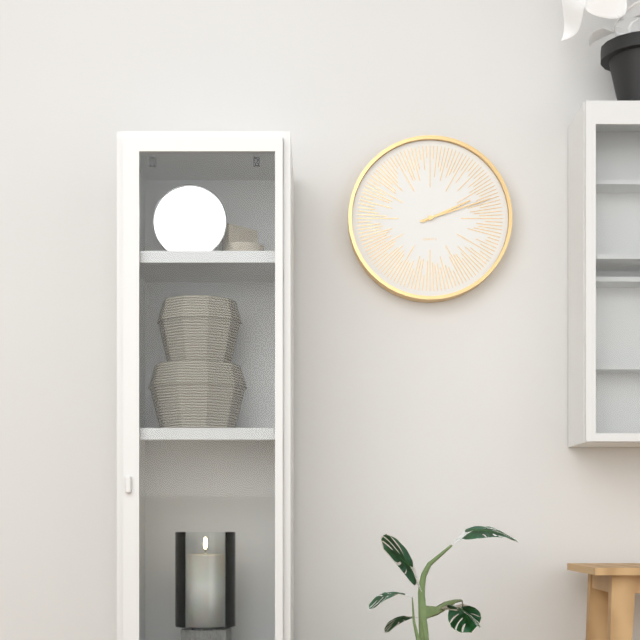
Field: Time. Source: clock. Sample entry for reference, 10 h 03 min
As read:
2 h 12 min
